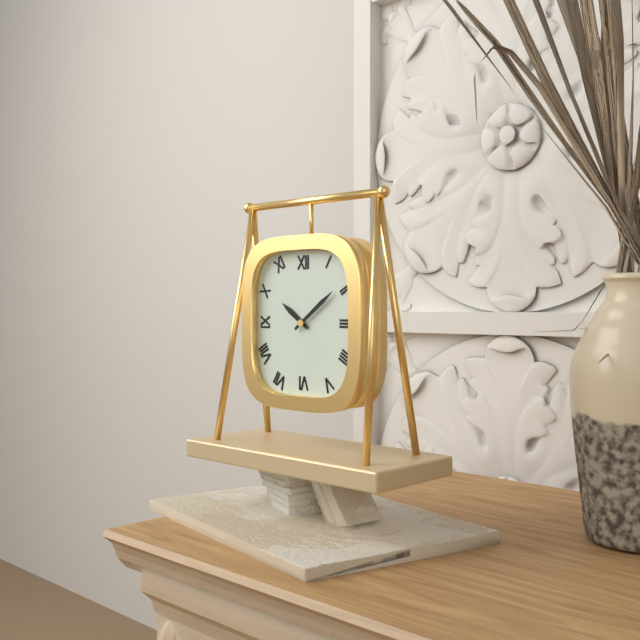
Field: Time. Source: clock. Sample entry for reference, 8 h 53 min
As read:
10 h 09 min
